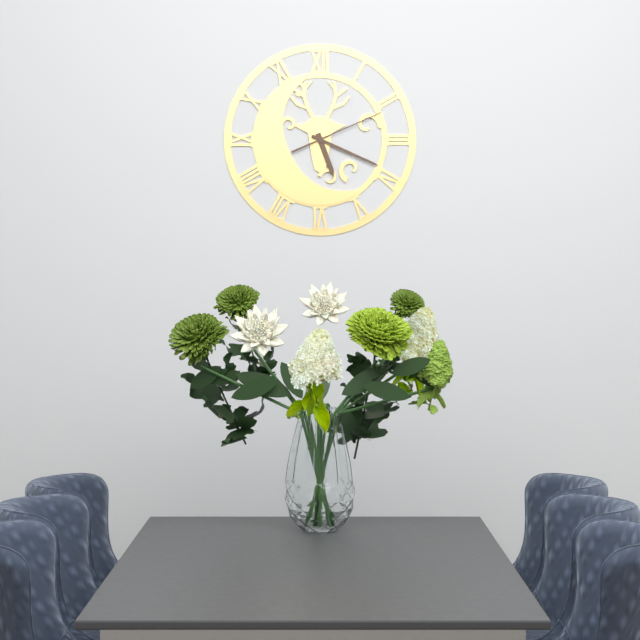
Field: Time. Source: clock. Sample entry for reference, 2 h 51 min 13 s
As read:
5 h 19 min 11 s
